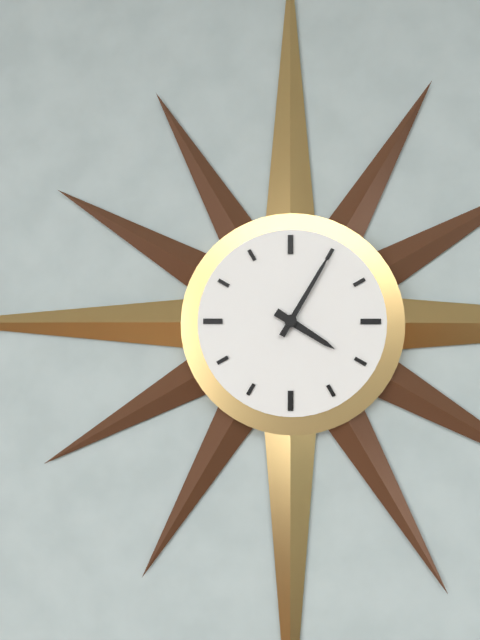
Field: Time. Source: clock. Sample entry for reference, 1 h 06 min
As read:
4 h 05 min
